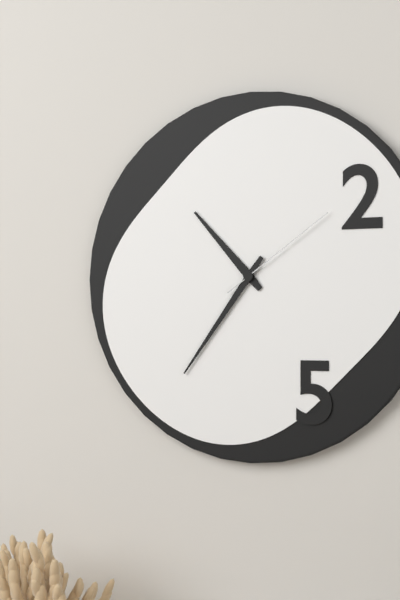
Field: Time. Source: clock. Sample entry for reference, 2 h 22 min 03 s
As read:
10 h 36 min 09 s
